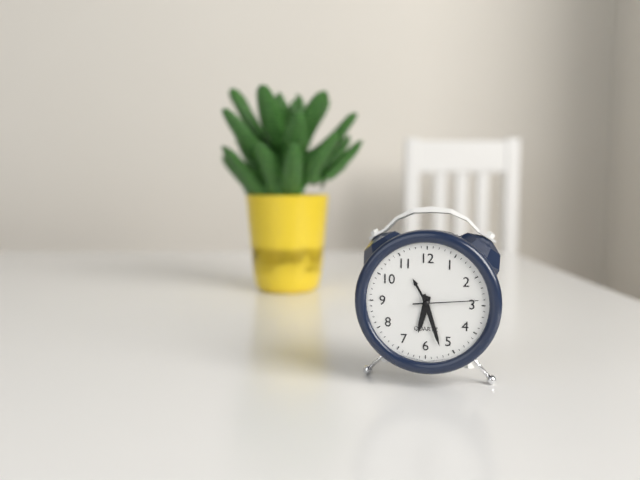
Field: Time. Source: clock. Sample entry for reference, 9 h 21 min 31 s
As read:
6 h 27 min 14 s
